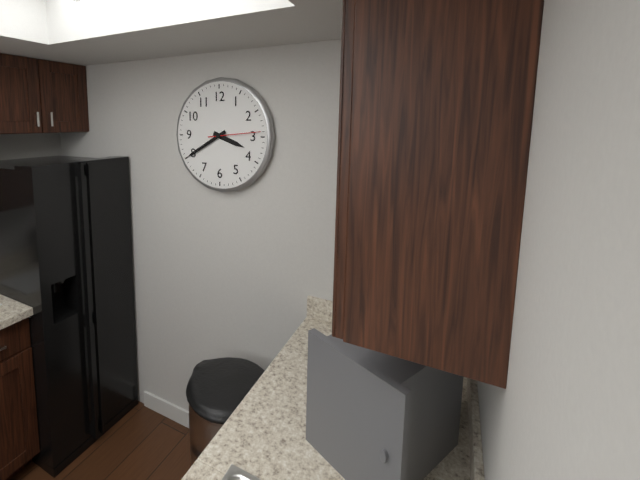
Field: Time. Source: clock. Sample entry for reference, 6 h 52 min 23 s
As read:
3 h 40 min 14 s
